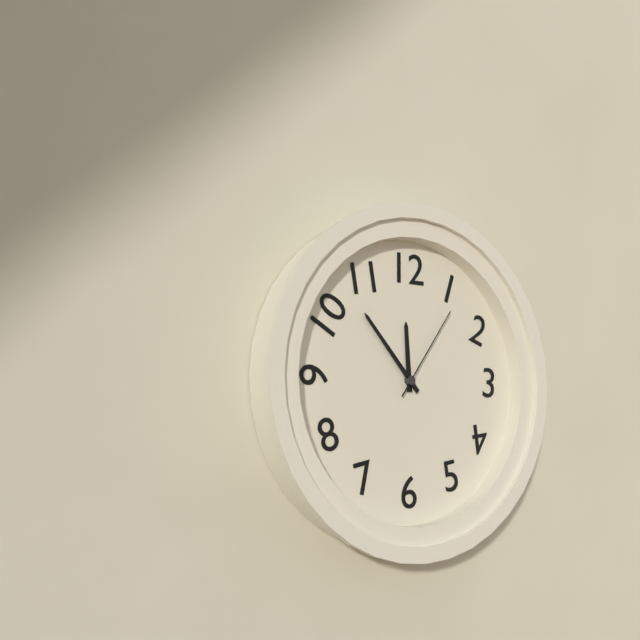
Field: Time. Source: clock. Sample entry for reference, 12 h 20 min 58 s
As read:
11 h 53 min 06 s
